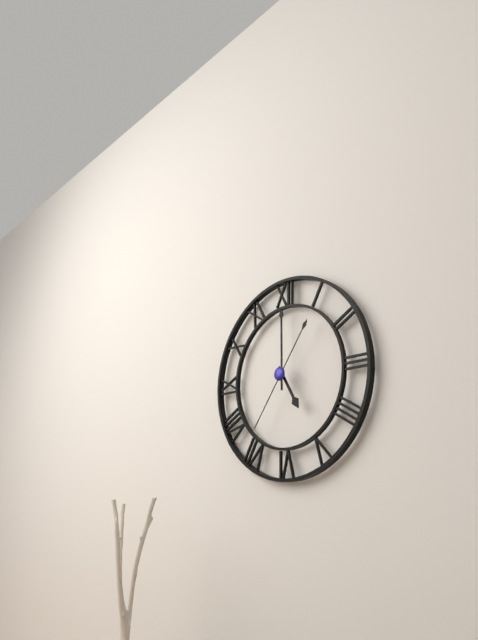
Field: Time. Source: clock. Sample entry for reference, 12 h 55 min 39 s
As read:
5 h 00 min 36 s
